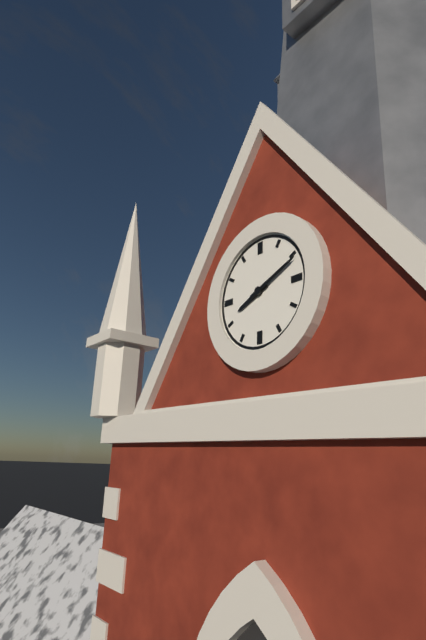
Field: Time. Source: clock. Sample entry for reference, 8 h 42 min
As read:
8 h 11 min
